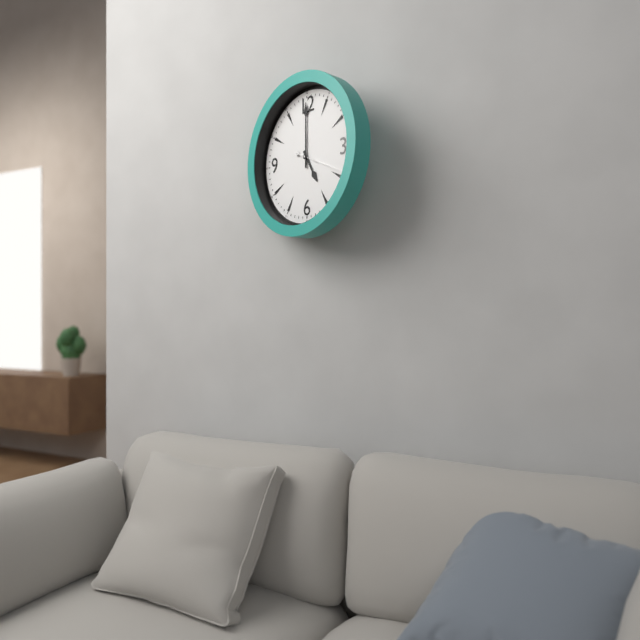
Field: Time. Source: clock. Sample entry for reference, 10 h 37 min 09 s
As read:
5 h 00 min 19 s
